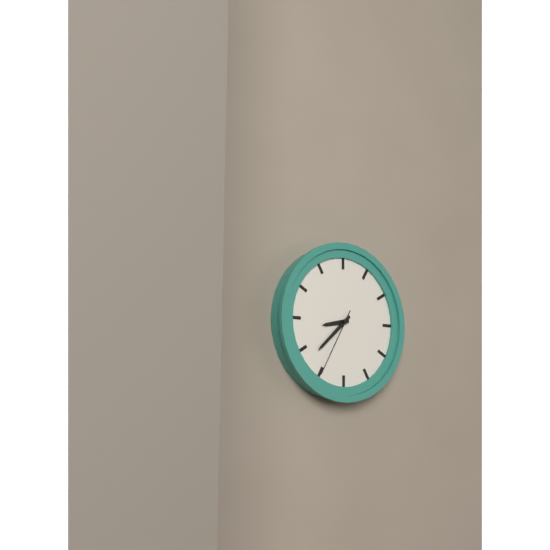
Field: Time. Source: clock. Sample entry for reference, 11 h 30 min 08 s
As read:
8 h 38 min 35 s
